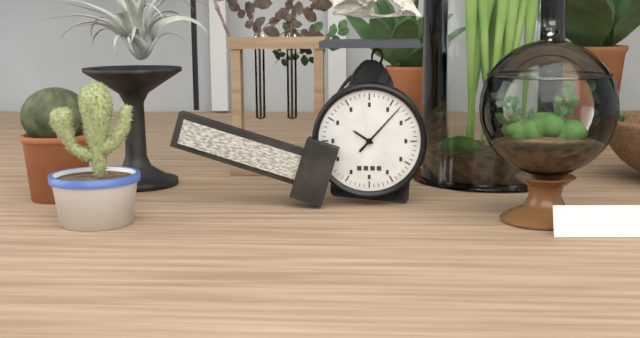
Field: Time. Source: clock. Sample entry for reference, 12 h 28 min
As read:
10 h 07 min
